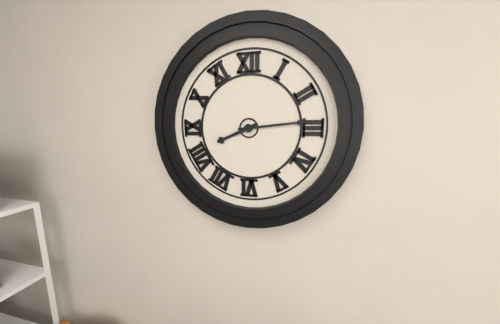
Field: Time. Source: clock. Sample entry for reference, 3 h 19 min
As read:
8 h 14 min
